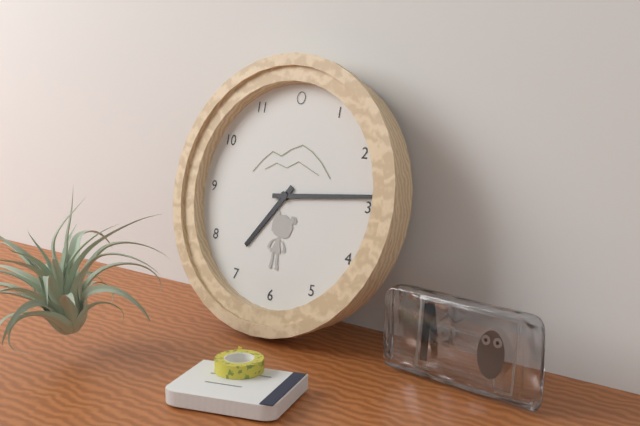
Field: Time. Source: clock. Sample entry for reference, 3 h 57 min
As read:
7 h 14 min
